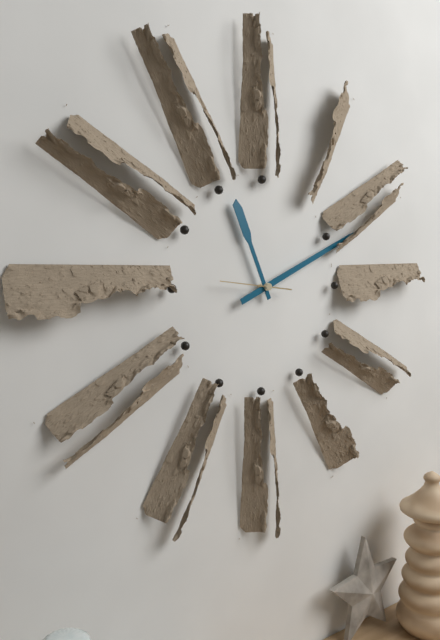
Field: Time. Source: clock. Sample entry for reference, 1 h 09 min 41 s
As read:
11 h 11 min 46 s
